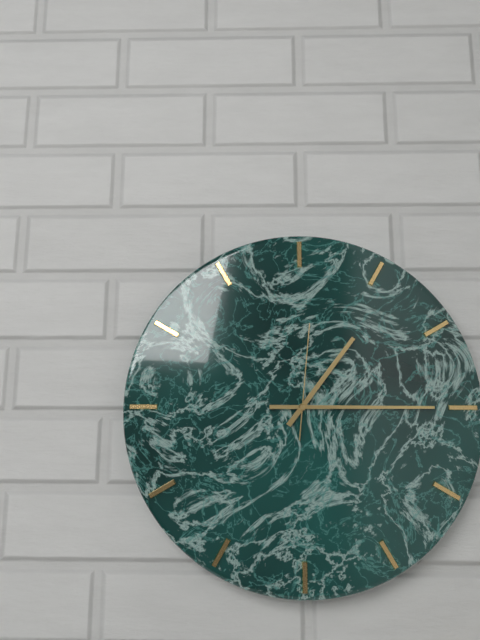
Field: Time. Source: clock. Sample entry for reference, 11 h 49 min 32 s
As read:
1 h 15 min 01 s
